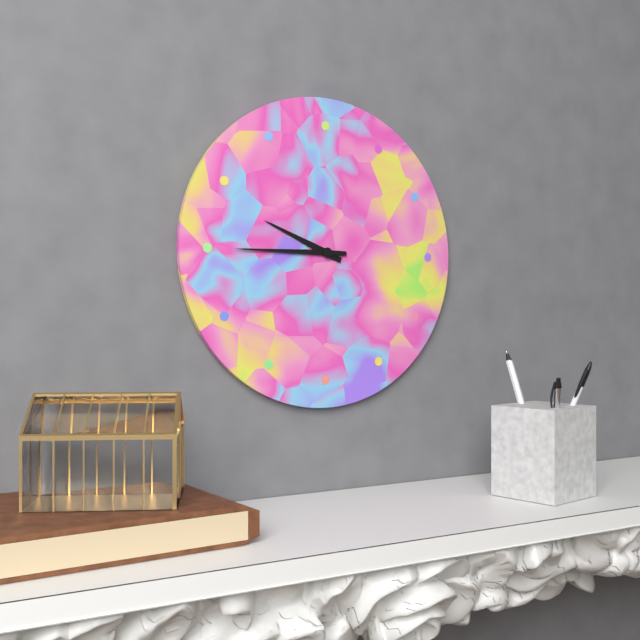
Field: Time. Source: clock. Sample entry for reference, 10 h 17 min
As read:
9 h 45 min
